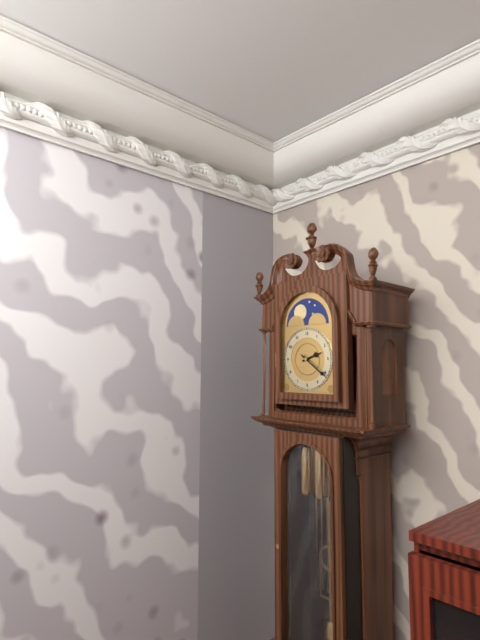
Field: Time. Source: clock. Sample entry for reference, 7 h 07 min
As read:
2 h 21 min
